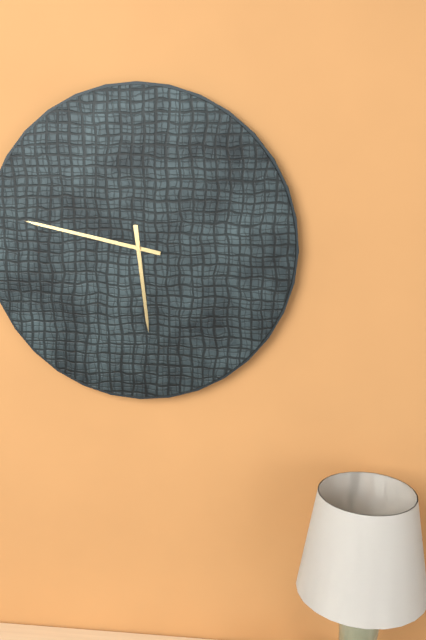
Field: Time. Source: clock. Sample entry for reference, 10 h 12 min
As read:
5 h 47 min
